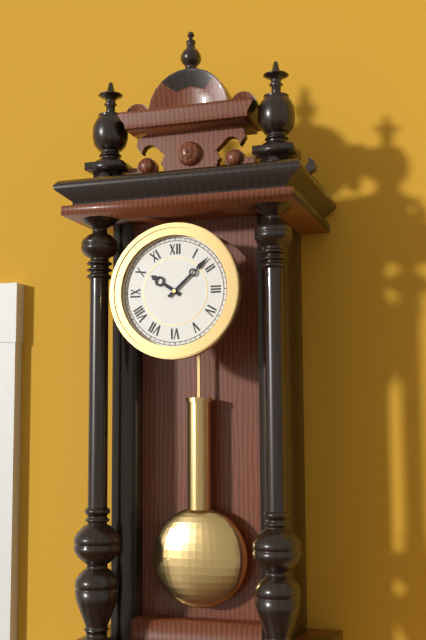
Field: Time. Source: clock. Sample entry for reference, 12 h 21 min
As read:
10 h 08 min
